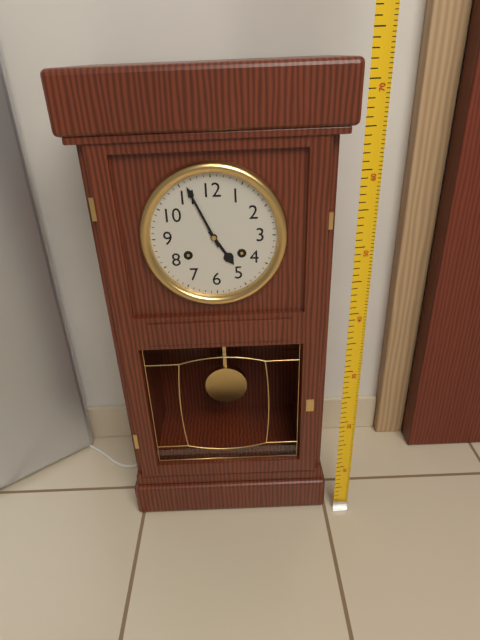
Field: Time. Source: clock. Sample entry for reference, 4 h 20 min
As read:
4 h 56 min
